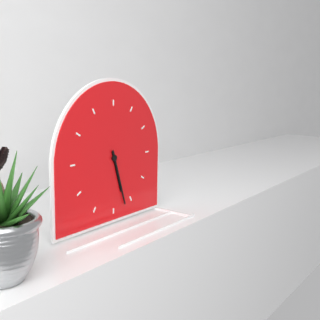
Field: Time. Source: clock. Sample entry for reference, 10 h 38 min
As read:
5 h 27 min
